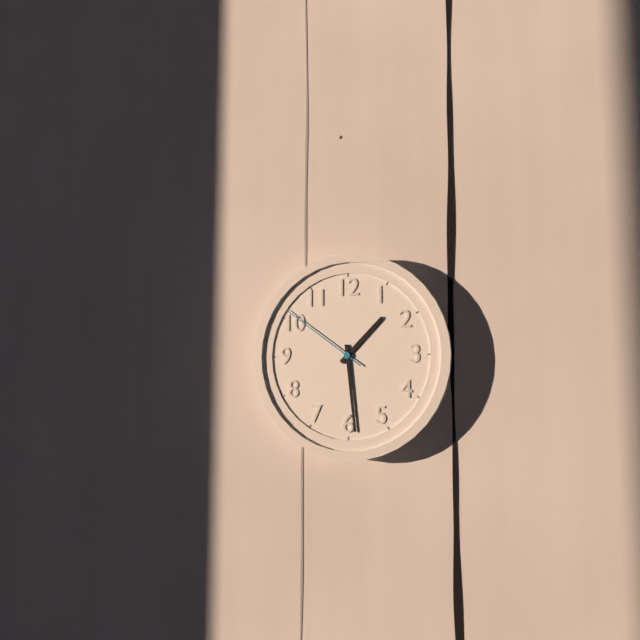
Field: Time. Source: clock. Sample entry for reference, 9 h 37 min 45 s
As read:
1 h 29 min 51 s
